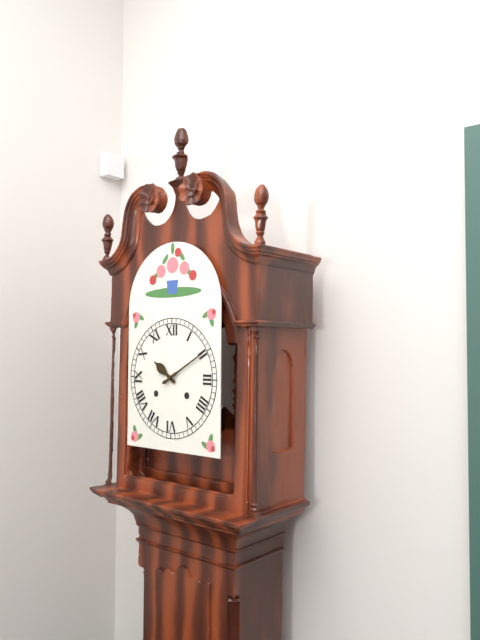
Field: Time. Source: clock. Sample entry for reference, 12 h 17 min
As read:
10 h 10 min
